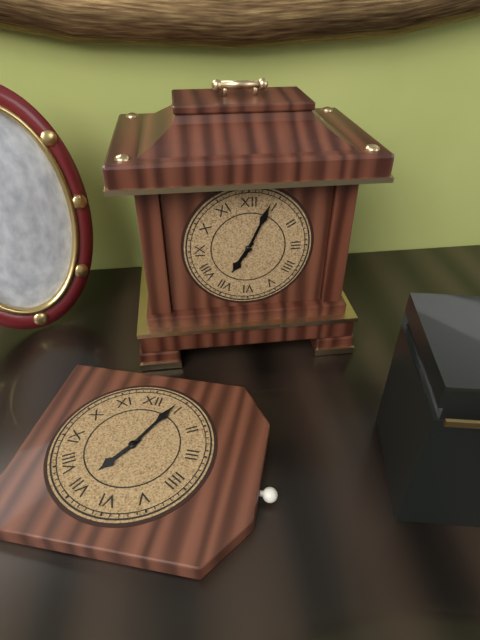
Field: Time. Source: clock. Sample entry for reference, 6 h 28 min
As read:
7 h 04 min
